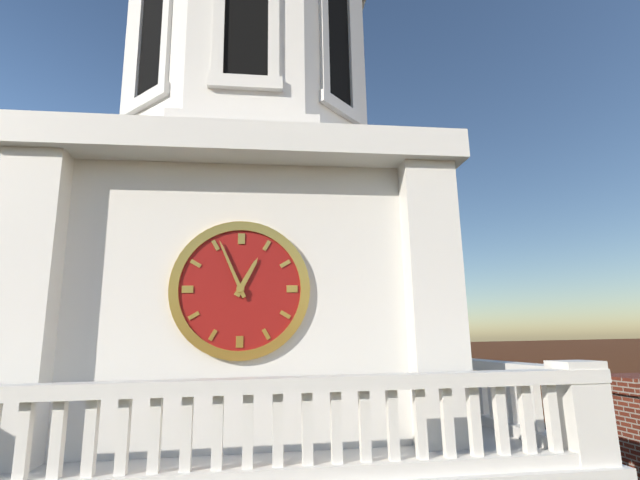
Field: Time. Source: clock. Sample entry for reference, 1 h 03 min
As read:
12 h 56 min
